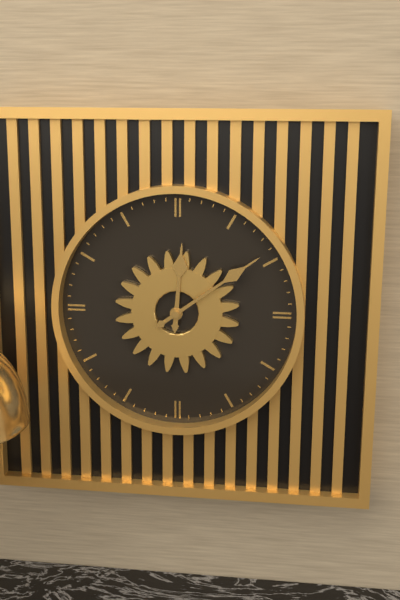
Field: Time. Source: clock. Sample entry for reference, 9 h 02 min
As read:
12 h 09 min
